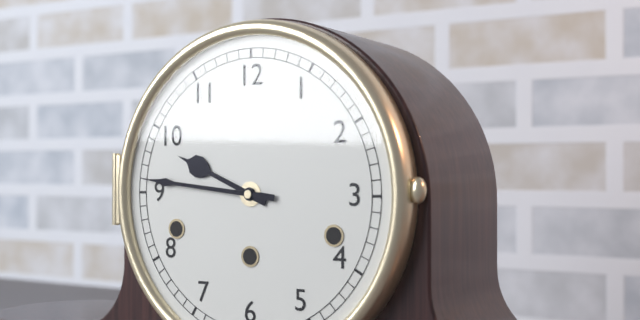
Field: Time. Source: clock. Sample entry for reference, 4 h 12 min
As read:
9 h 46 min
